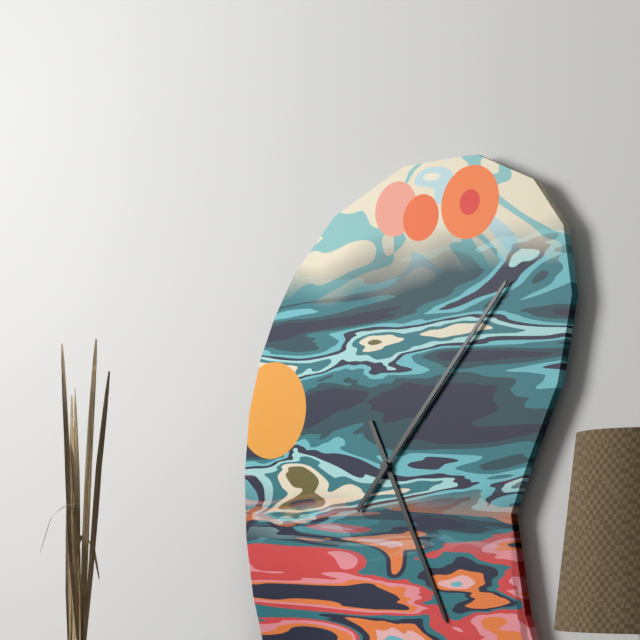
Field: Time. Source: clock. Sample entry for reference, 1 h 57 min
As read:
5 h 07 min
